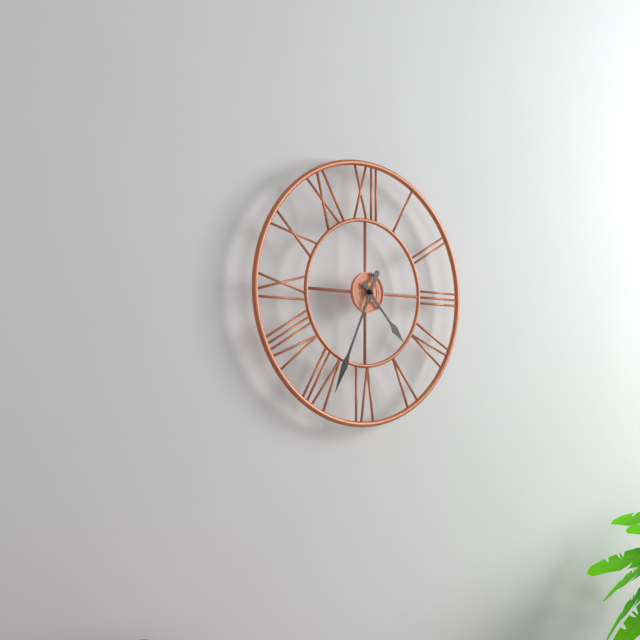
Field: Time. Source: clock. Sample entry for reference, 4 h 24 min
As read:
4 h 34 min
